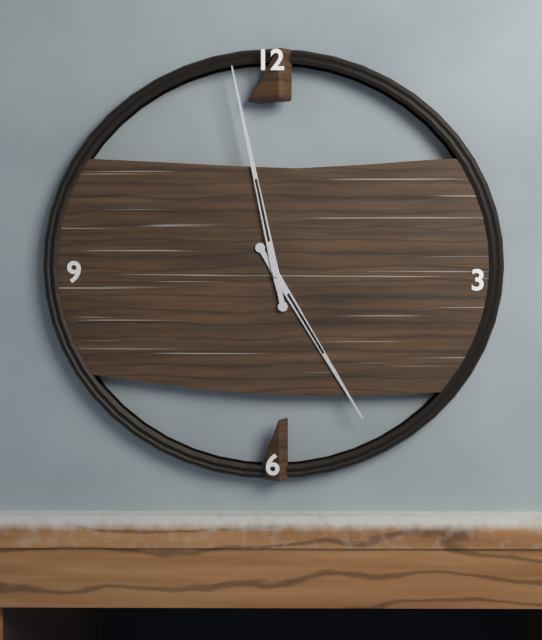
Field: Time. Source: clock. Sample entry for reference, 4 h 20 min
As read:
4 h 58 min
